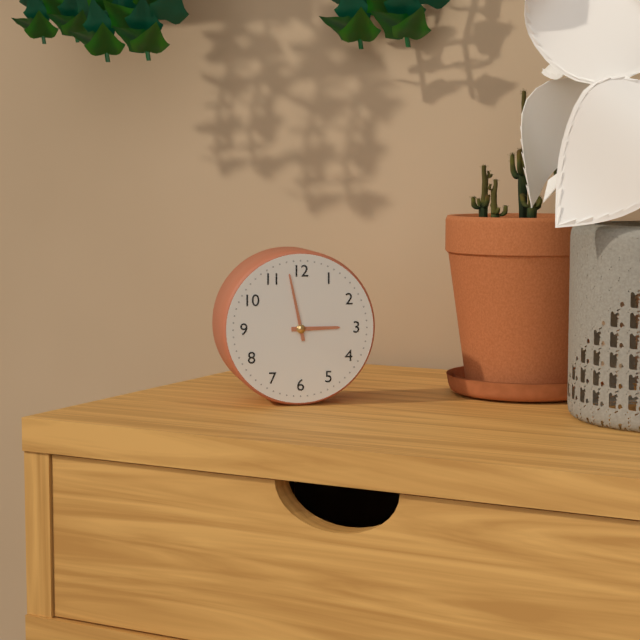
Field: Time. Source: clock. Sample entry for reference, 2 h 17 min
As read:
2 h 58 min
